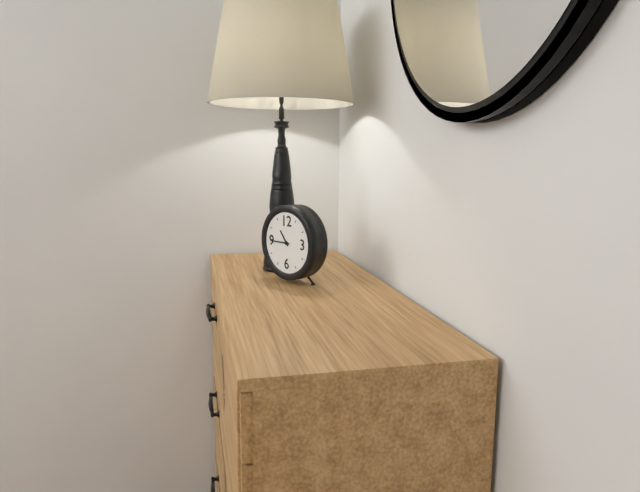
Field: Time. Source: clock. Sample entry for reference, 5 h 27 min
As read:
10 h 45 min
